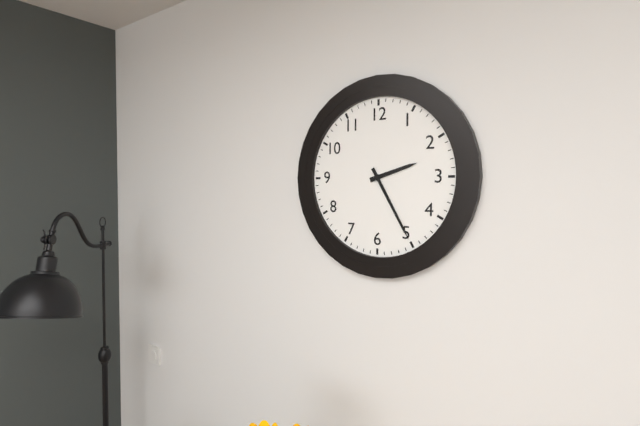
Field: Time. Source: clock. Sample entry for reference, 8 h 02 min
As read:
2 h 25 min
